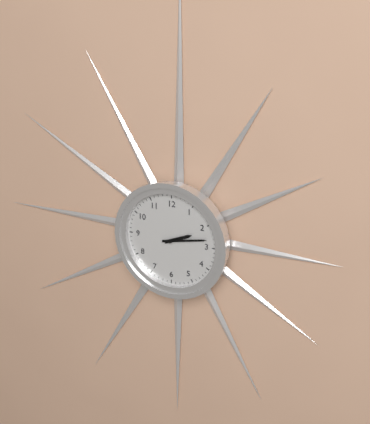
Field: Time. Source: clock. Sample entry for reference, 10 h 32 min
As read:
2 h 13 min
